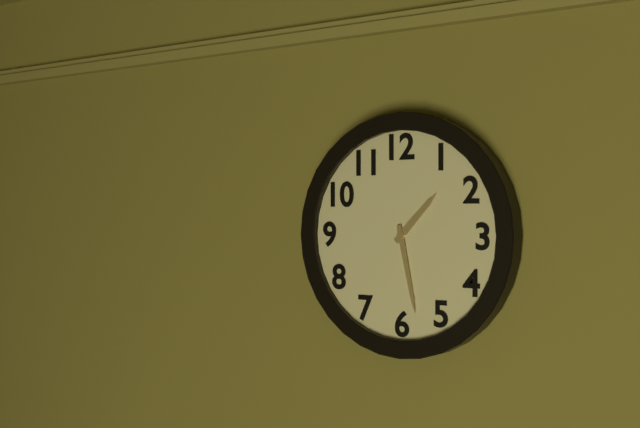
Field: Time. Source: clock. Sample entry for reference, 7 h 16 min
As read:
1 h 28 min
